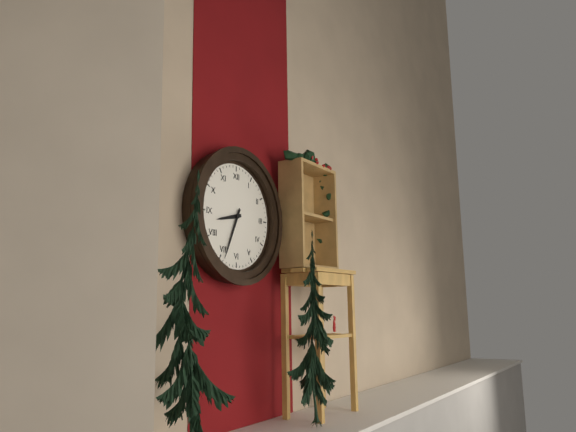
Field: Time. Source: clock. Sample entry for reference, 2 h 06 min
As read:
8 h 34 min
